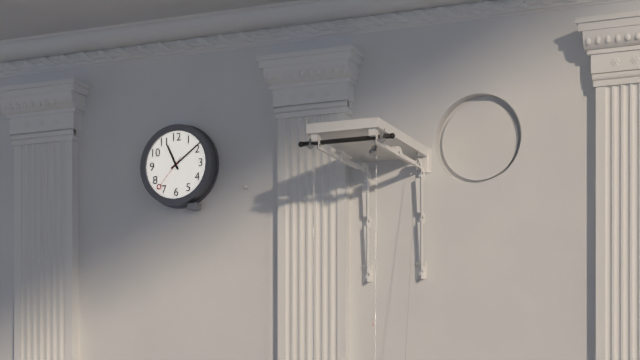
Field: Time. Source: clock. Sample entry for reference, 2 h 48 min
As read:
11 h 09 min
